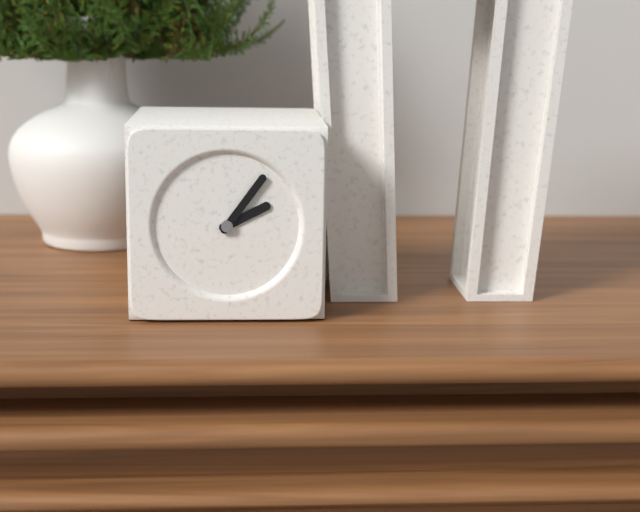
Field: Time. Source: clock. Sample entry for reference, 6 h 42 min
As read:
2 h 06 min
